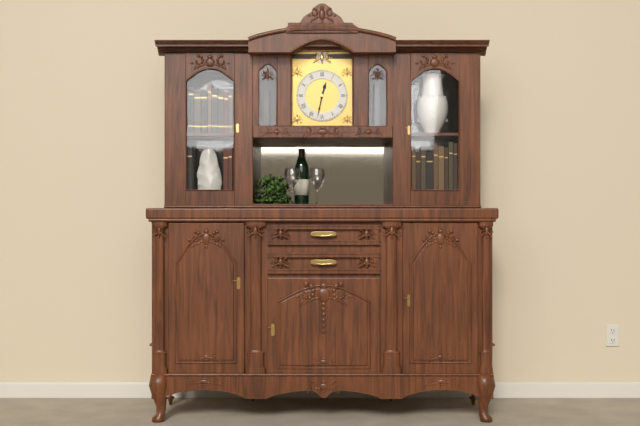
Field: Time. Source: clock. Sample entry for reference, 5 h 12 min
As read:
12 h 32 min
